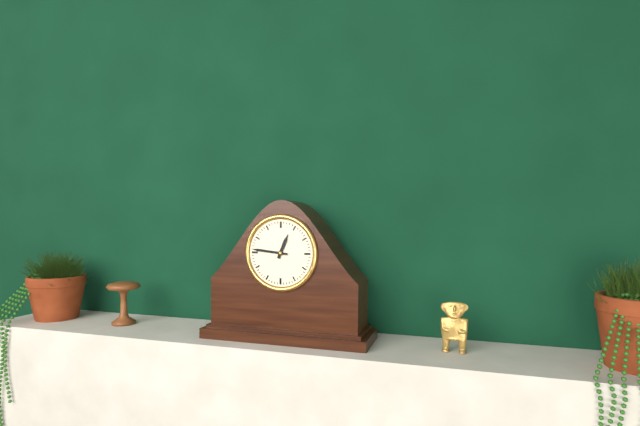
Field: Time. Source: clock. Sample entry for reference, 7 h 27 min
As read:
12 h 46 min
